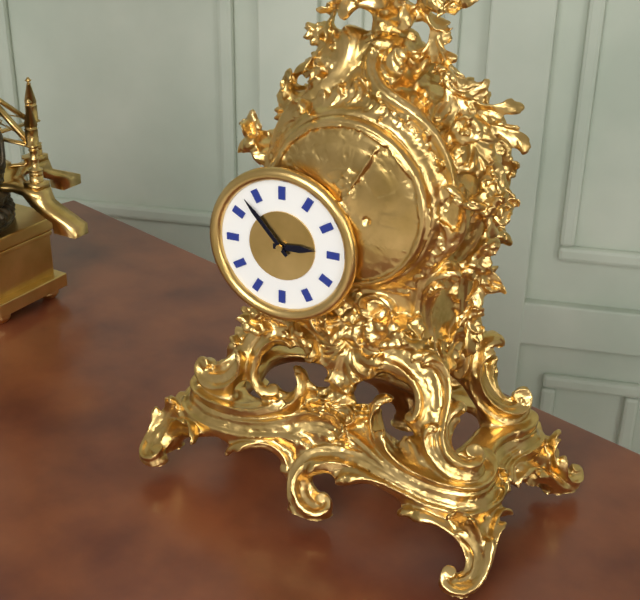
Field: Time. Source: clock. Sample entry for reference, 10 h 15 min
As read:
2 h 53 min
